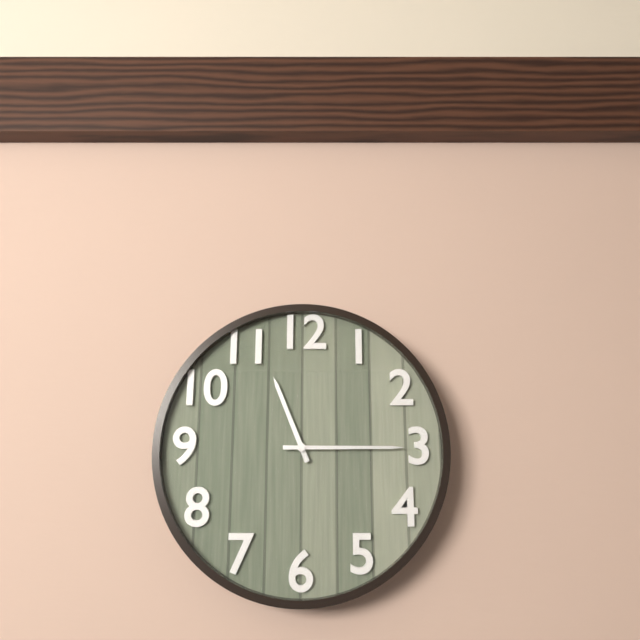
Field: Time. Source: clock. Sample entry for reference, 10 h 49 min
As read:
11 h 15 min
